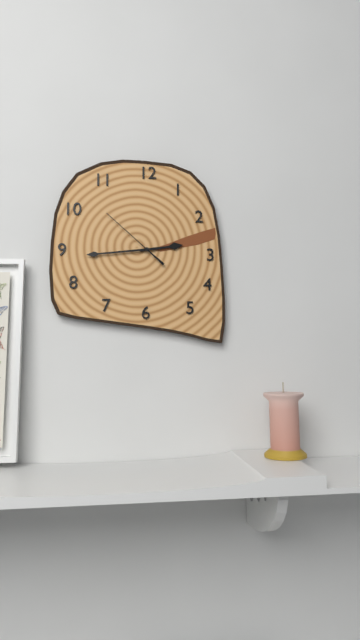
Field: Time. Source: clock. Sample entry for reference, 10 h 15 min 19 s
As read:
2 h 44 min 52 s
